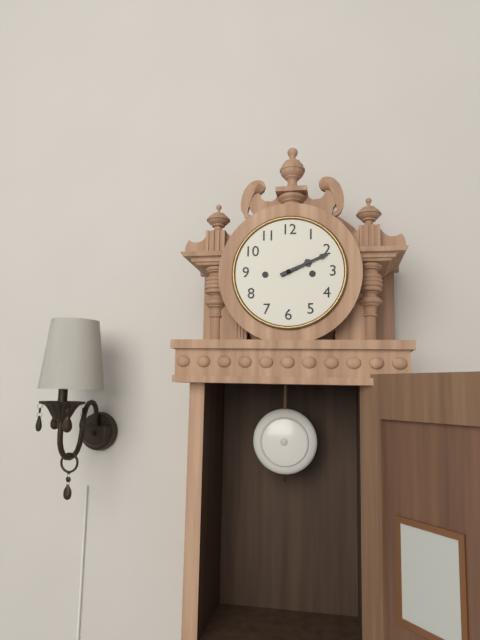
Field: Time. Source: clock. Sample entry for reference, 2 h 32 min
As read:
2 h 11 min
